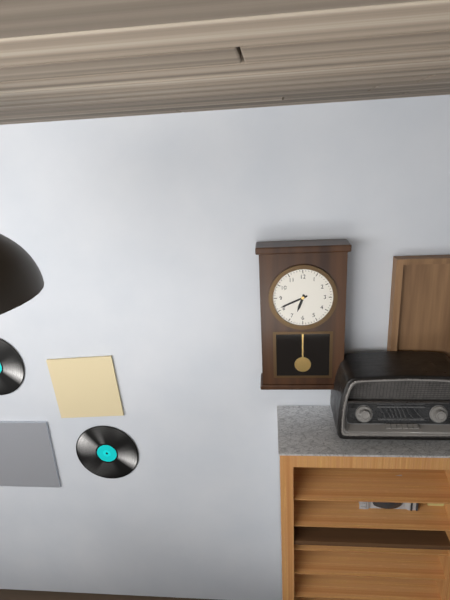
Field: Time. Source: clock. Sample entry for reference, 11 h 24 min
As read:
6 h 41 min
